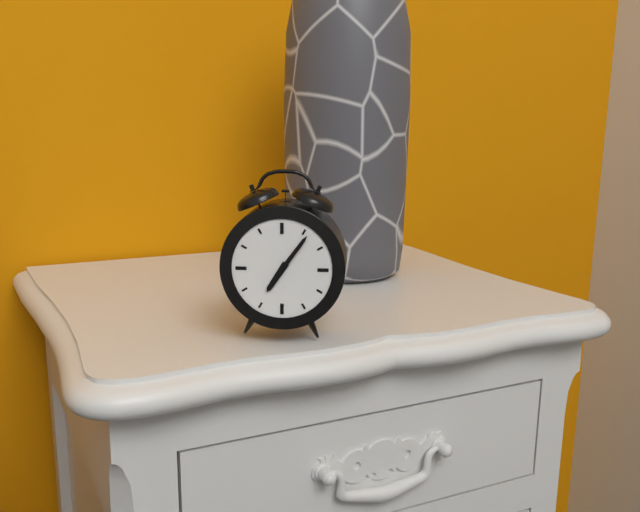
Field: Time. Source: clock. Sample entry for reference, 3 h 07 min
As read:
7 h 06 min
